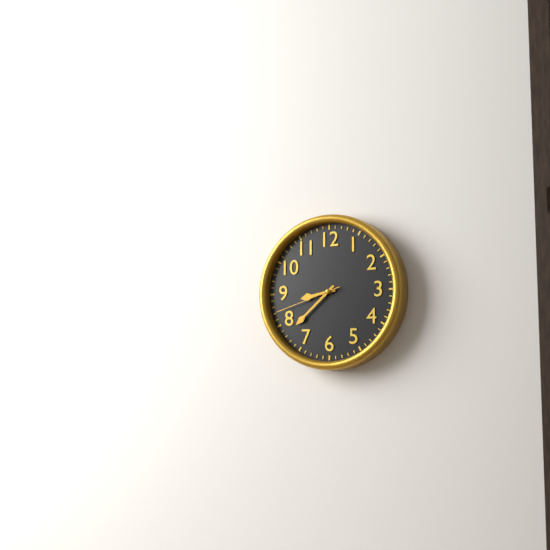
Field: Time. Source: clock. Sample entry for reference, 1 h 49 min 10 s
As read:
8 h 38 min 42 s
